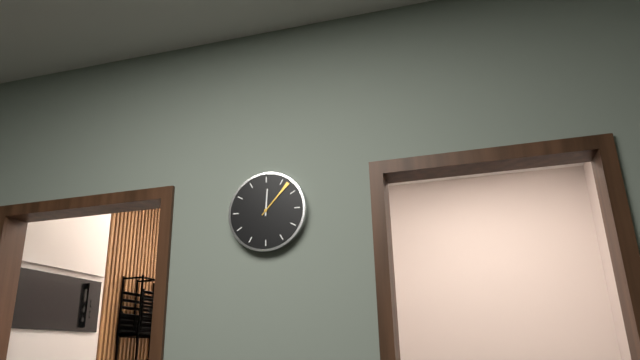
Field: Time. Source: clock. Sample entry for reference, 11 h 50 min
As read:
12 h 07 min
